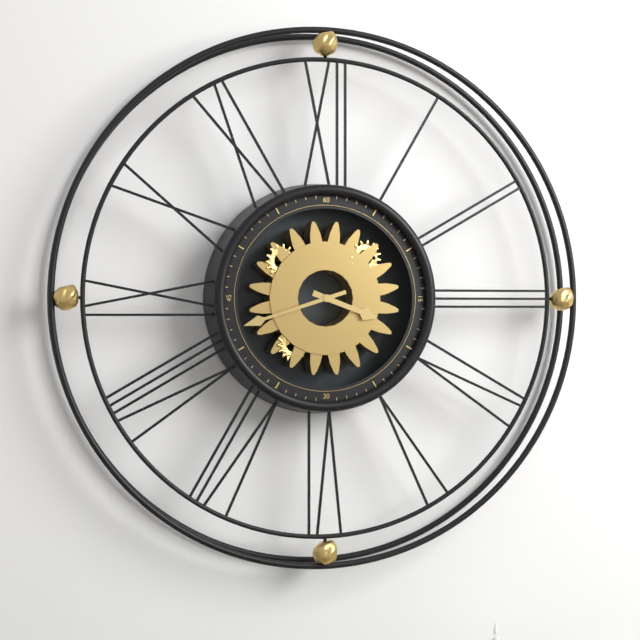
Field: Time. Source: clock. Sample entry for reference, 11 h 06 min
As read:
3 h 42 min
